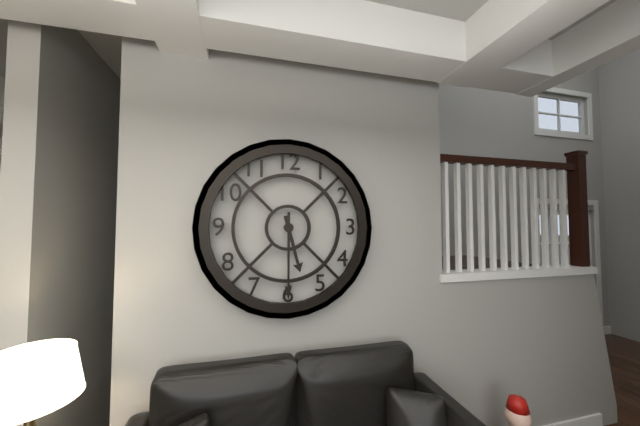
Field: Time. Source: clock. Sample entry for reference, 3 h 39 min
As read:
5 h 30 min
